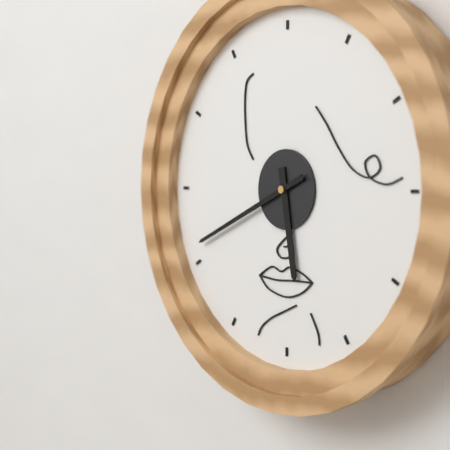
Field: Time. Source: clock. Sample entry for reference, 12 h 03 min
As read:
5 h 41 min
